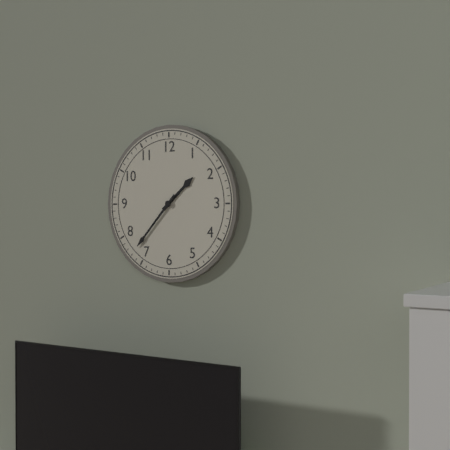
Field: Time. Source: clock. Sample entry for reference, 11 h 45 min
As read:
1 h 37 min
